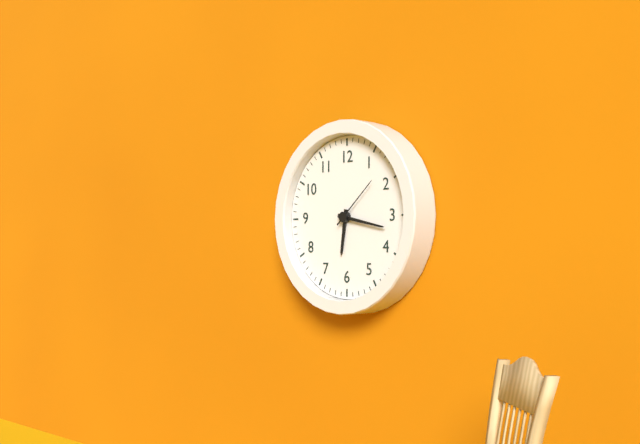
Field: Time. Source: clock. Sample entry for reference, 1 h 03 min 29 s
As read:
6 h 17 min 08 s
